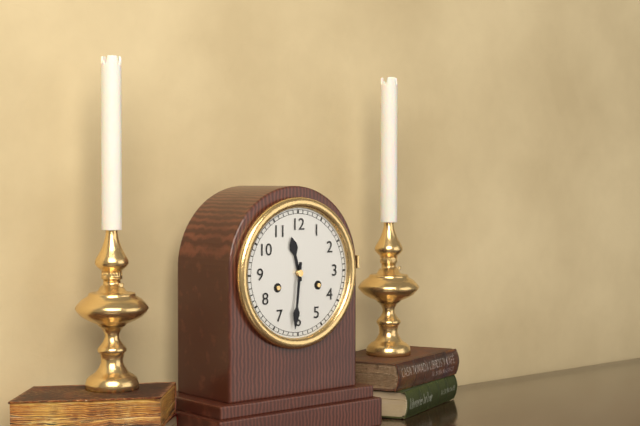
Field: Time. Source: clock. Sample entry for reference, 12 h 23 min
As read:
11 h 31 min
